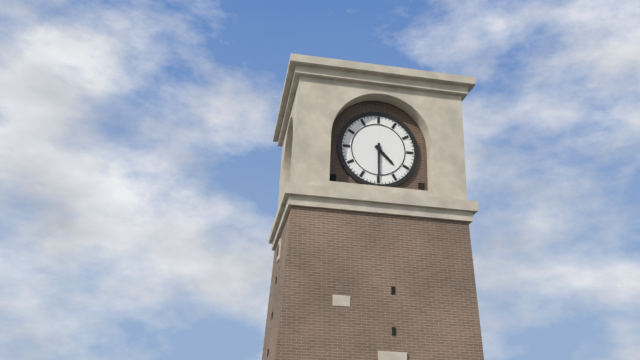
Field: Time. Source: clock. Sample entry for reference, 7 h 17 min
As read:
4 h 30 min
